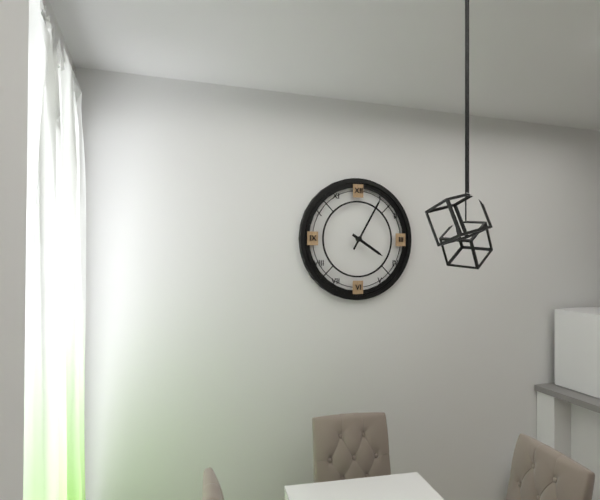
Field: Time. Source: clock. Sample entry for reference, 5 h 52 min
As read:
4 h 05 min
